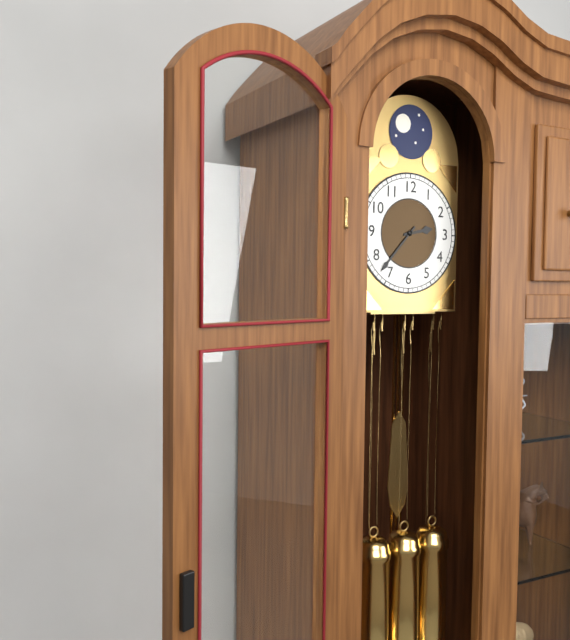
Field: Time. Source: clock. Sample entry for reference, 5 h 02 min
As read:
2 h 37 min
